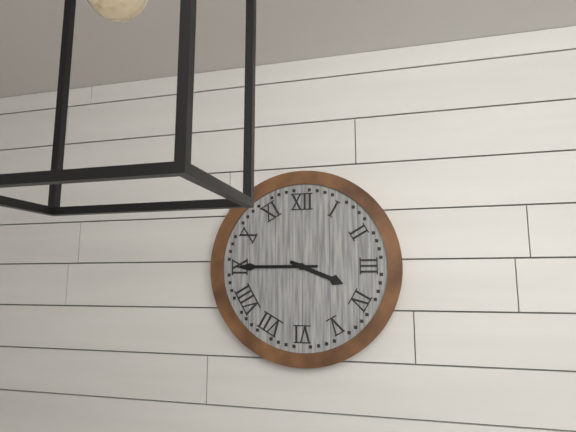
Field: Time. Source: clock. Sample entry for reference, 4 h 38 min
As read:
3 h 45 min
